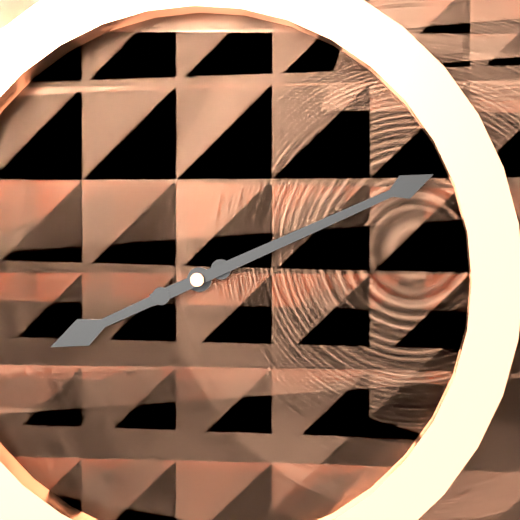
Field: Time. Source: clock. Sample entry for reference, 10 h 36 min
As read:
8 h 11 min
